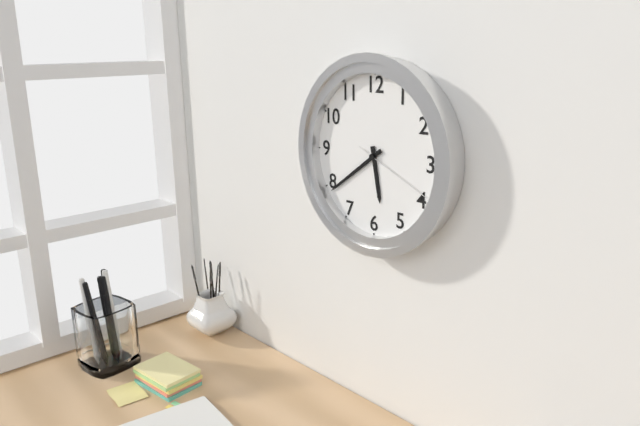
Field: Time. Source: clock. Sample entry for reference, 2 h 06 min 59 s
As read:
5 h 39 min 19 s
